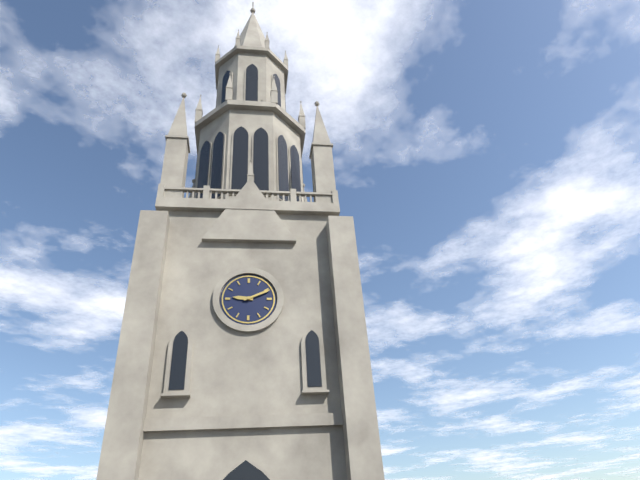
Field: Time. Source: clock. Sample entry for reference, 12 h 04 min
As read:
9 h 11 min
